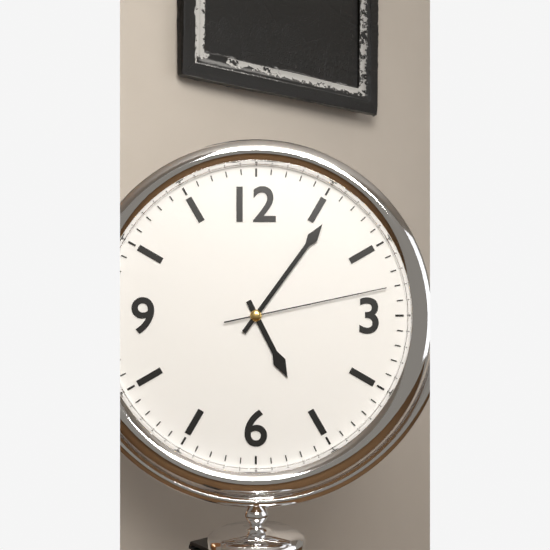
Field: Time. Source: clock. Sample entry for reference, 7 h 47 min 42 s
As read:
5 h 06 min 13 s
